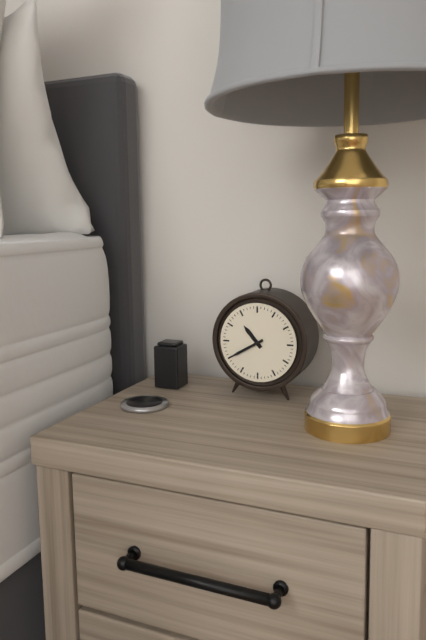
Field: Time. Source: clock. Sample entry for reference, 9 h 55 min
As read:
10 h 40 min
